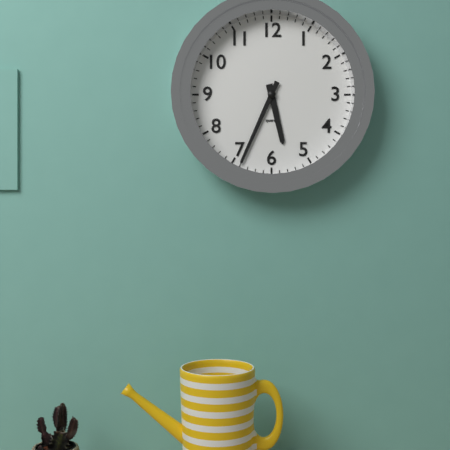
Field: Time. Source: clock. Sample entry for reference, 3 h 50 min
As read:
5 h 34 min
